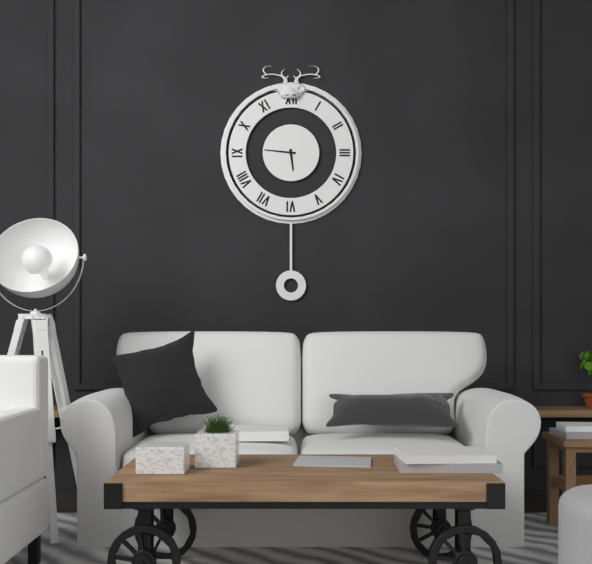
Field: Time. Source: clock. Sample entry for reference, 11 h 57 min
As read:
5 h 46 min
